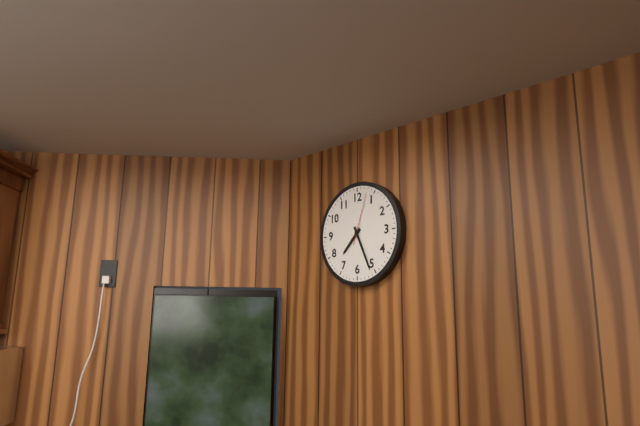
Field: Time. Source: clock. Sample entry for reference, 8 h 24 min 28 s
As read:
7 h 26 min 03 s
